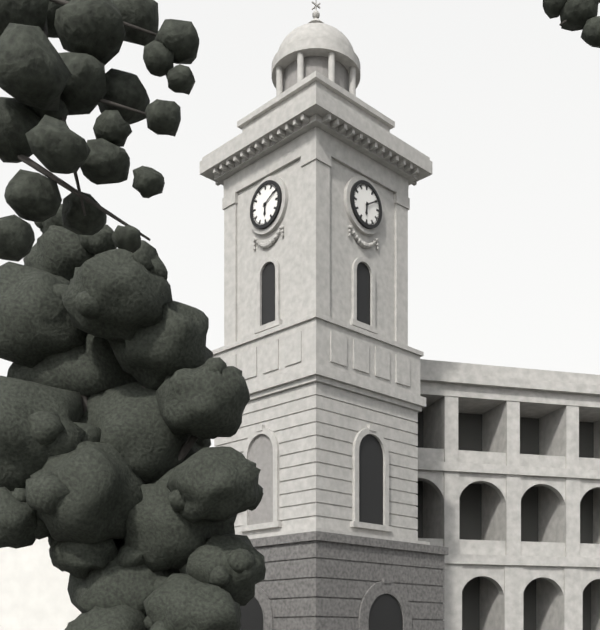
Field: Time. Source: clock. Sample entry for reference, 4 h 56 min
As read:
6 h 10 min
